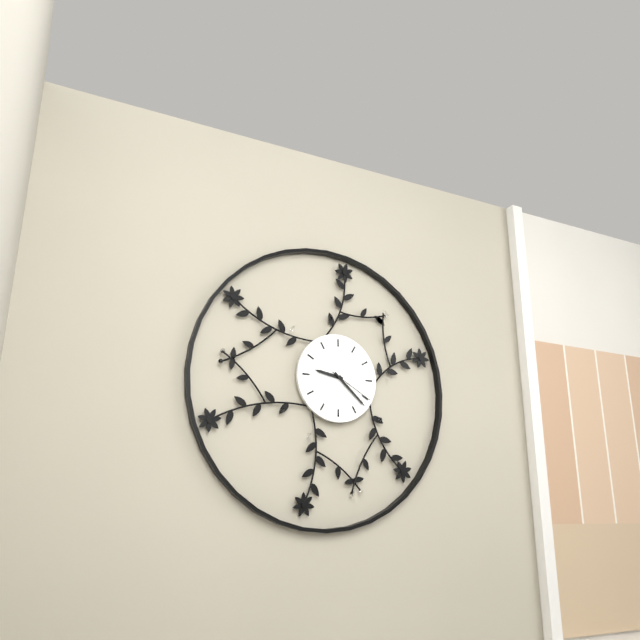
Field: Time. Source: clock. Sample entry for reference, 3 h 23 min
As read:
9 h 22 min
